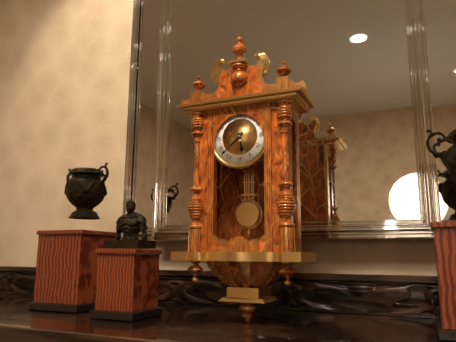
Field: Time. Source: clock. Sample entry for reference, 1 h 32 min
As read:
5 h 38 min
